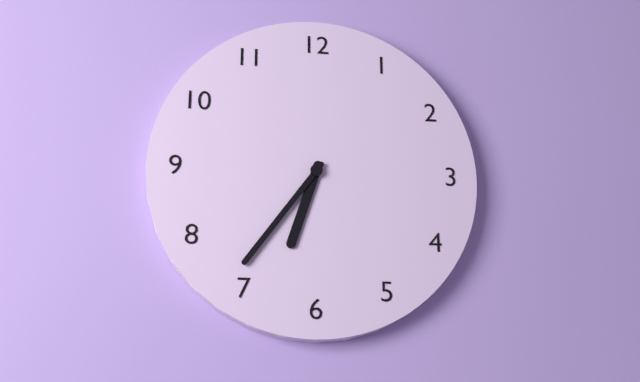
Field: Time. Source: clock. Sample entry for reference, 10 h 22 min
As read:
6 h 36 min
